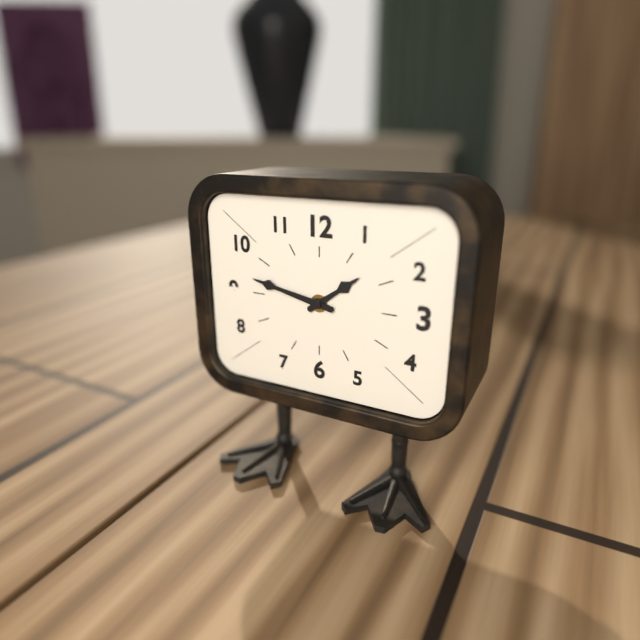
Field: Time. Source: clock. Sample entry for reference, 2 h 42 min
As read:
1 h 47 min
